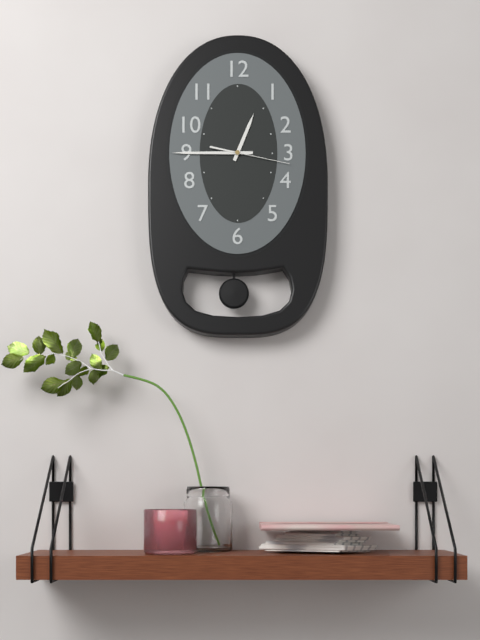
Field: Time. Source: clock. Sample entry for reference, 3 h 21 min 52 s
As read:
12 h 45 min 17 s
